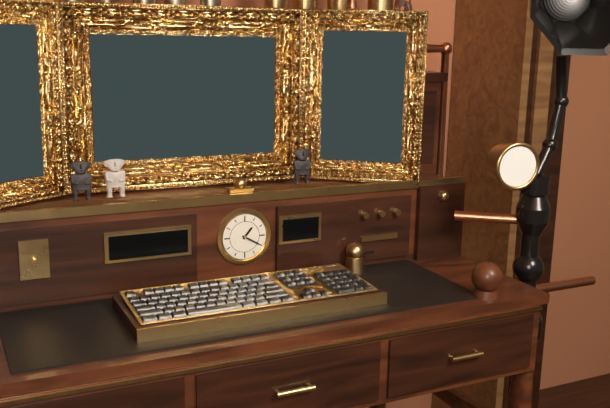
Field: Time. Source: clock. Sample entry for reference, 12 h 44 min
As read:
1 h 20 min
